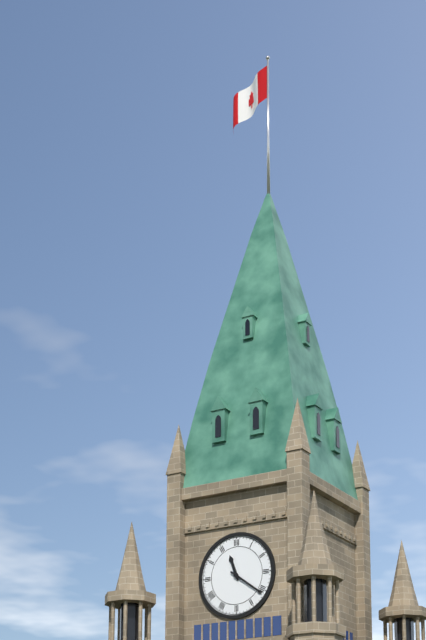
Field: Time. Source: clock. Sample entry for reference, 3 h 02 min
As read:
11 h 21 min
